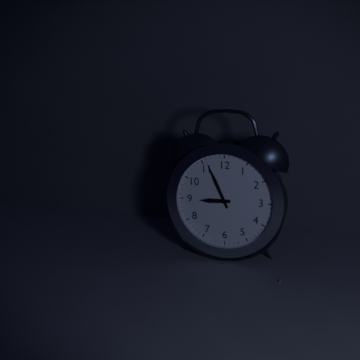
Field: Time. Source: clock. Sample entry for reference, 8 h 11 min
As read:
8 h 56 min
